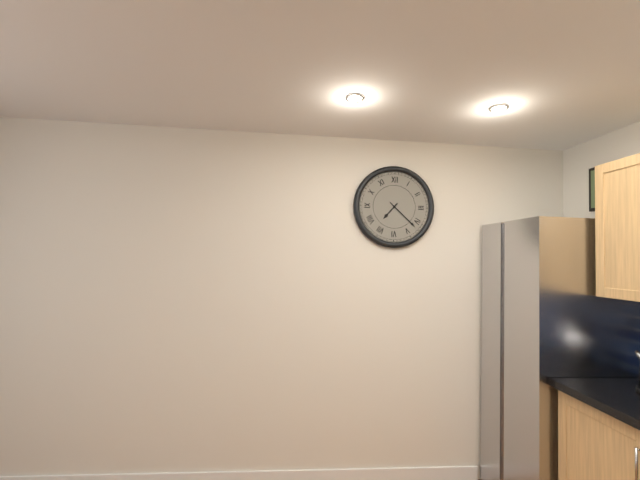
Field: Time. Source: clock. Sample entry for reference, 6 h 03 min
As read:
7 h 22 min
